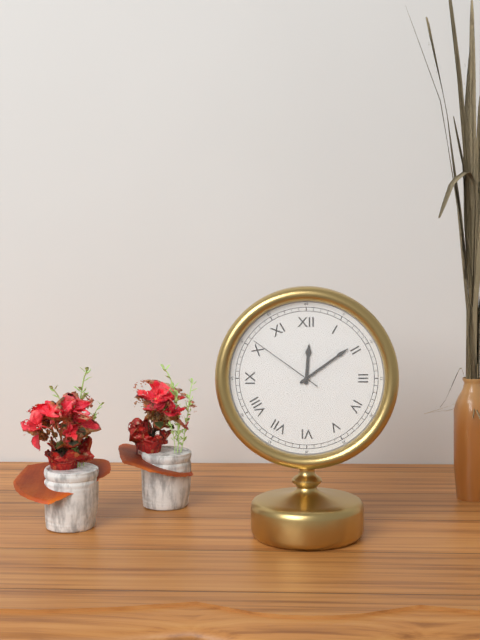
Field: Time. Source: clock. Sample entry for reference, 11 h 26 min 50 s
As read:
12 h 09 min 51 s
